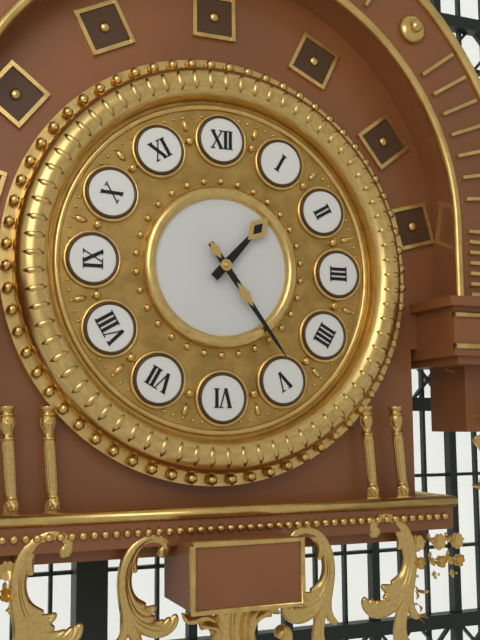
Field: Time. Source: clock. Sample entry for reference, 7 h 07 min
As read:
1 h 24 min
